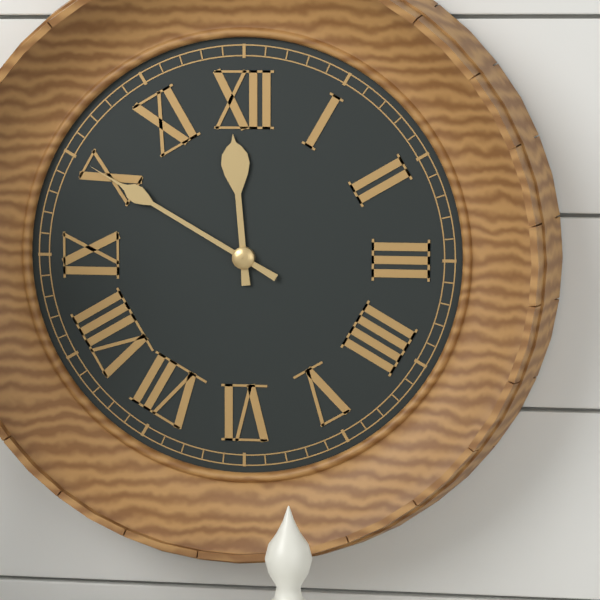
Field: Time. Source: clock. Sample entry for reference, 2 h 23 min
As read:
11 h 50 min
